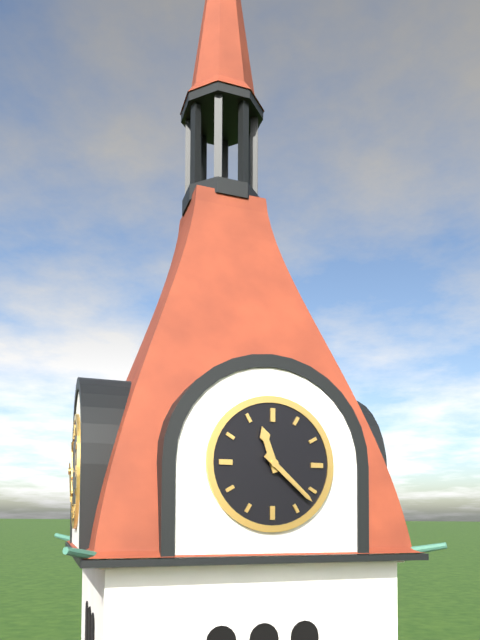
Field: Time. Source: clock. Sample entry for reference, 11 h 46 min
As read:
11 h 22 min
